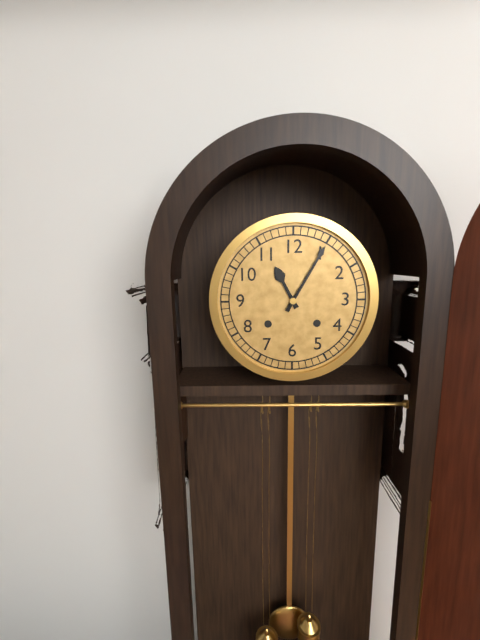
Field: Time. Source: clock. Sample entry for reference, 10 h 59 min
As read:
11 h 05 min
